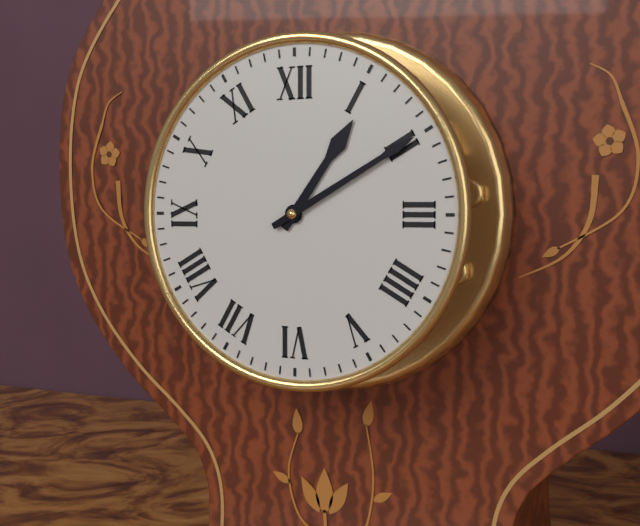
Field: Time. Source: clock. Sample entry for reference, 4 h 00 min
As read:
1 h 10 min
